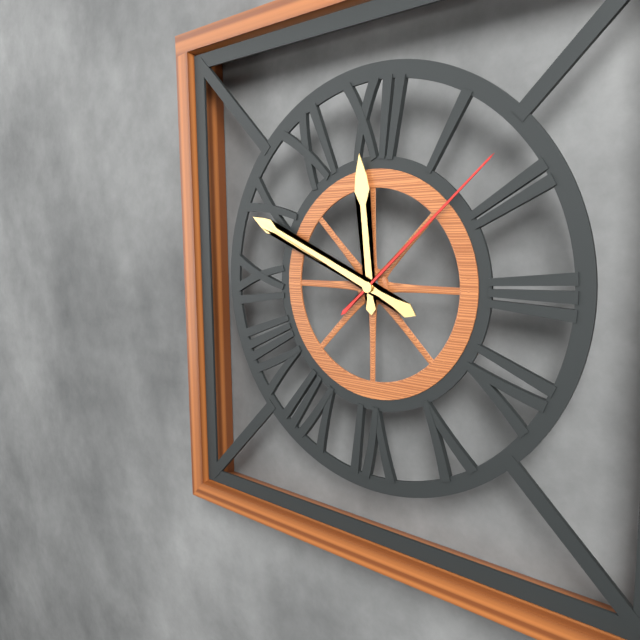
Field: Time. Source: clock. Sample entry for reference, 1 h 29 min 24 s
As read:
11 h 49 min 08 s
